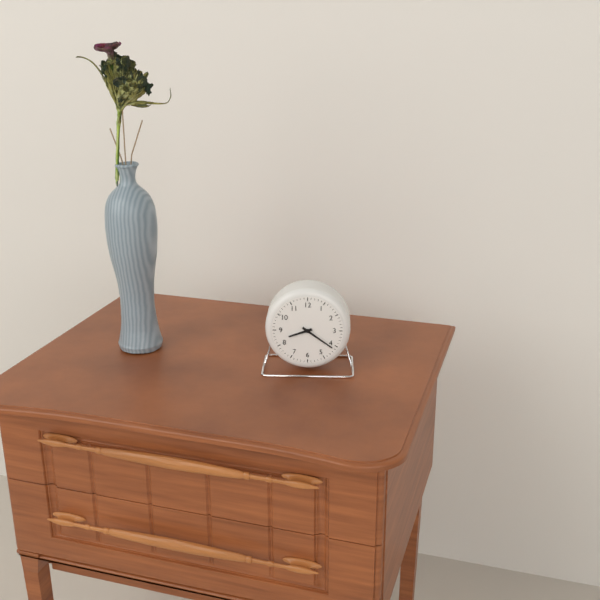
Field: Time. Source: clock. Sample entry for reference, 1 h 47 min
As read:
8 h 21 min
